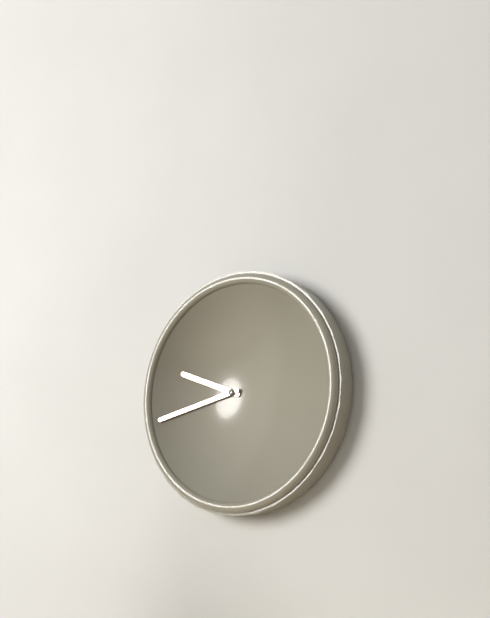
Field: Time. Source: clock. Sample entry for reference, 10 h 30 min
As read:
9 h 43 min
